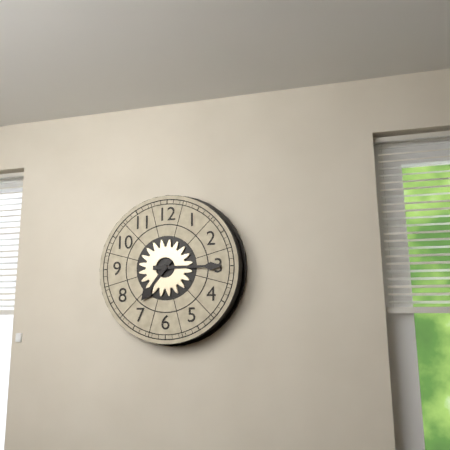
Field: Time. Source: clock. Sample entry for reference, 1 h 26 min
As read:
7 h 15 min
